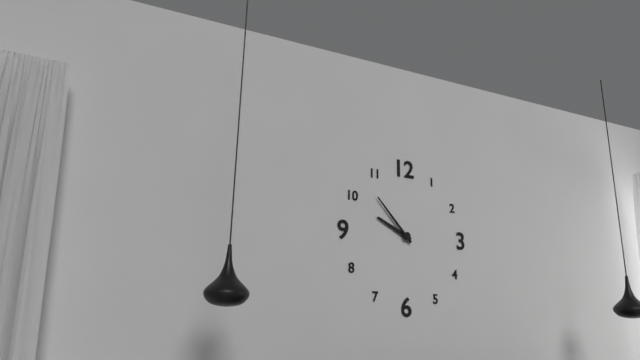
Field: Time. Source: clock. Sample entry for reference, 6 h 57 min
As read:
9 h 53 min
